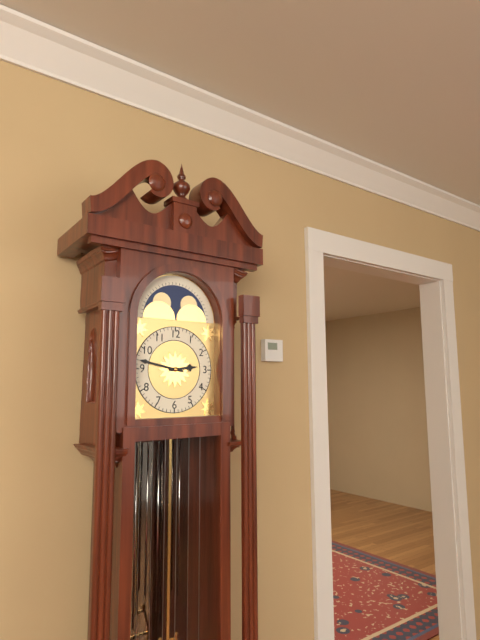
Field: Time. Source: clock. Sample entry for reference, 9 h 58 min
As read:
2 h 47 min
